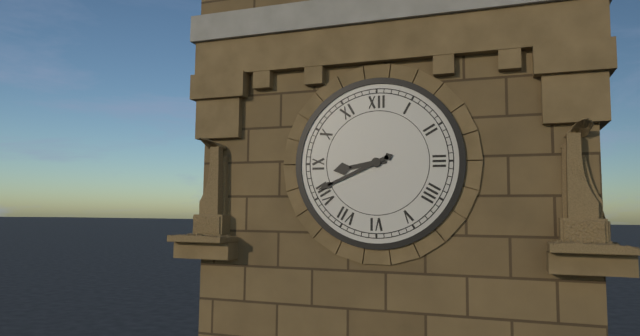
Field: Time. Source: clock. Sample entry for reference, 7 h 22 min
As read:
8 h 41 min
